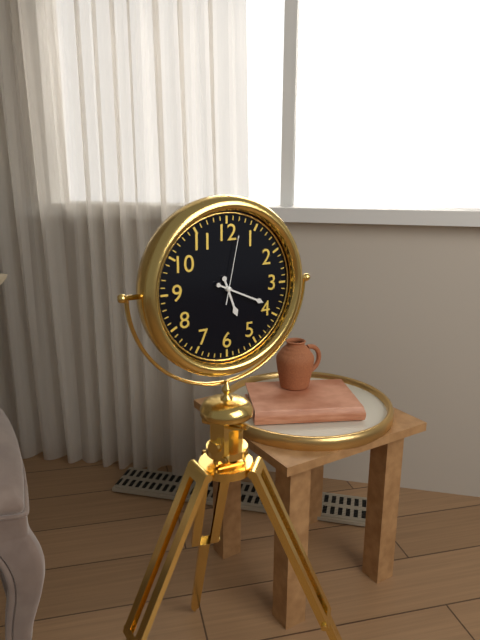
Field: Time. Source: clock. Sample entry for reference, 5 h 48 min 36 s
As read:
5 h 19 min 02 s
